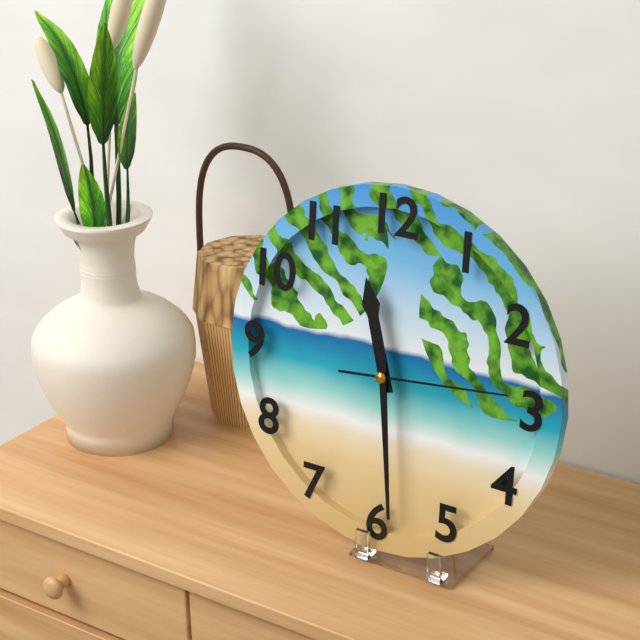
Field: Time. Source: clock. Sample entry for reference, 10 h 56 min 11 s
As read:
11 h 29 min 14 s
